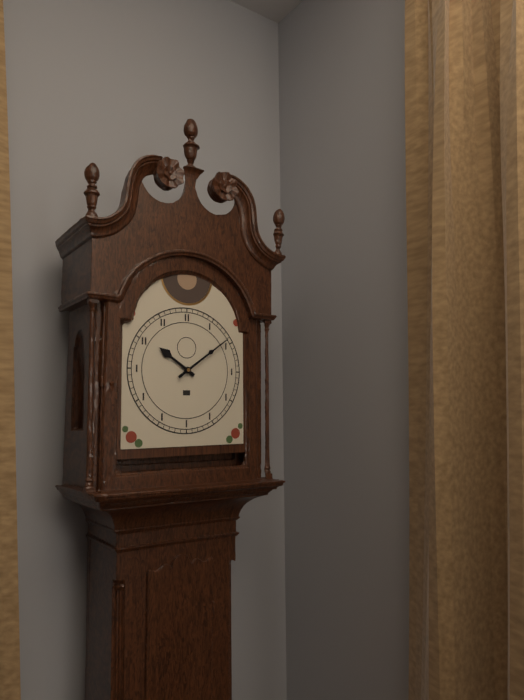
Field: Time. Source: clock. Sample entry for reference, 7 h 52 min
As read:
10 h 09 min
